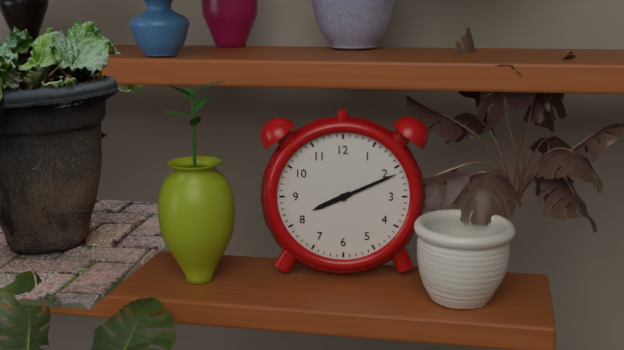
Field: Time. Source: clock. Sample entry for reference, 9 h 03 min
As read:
8 h 11 min
